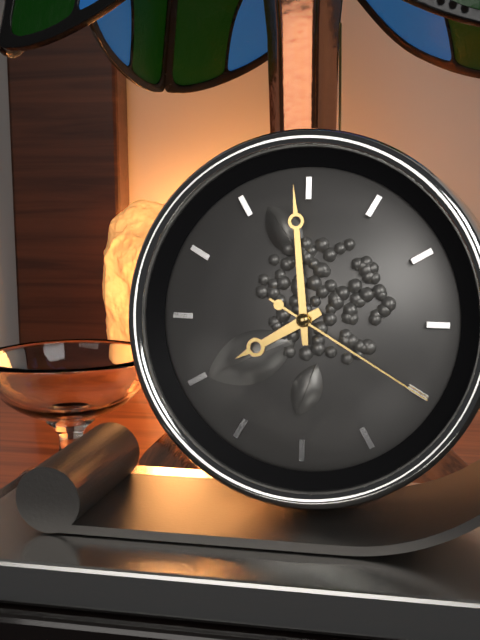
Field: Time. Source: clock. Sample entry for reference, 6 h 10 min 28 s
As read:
7 h 59 min 20 s
